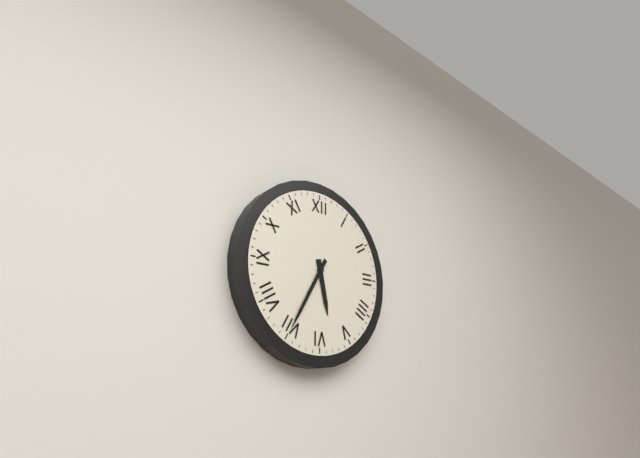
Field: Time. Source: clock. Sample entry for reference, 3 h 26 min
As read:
5 h 35 min
